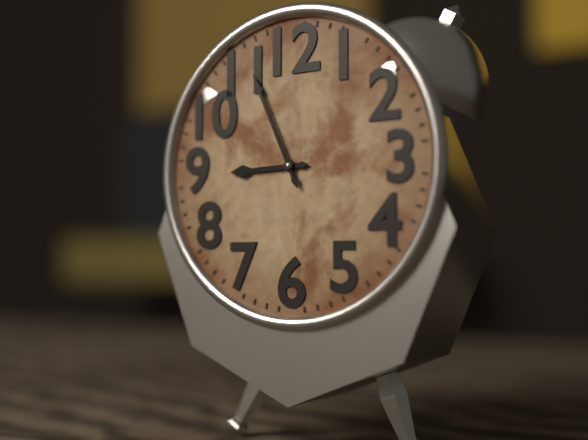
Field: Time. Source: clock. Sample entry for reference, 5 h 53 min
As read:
8 h 56 min
